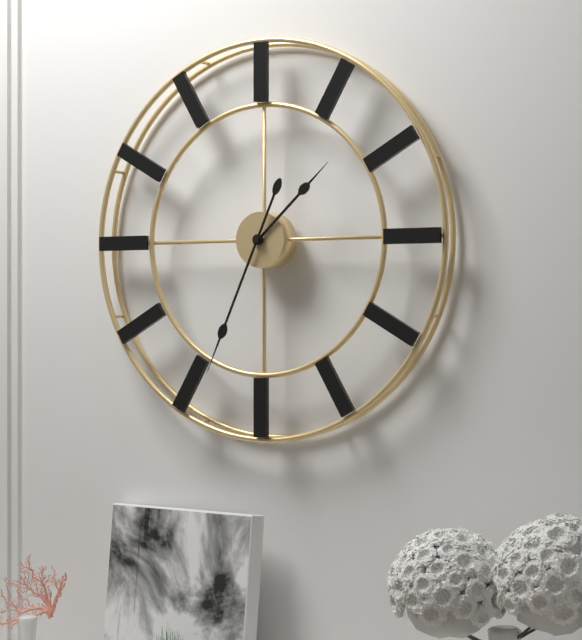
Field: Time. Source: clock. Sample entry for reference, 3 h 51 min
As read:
1 h 34 min
